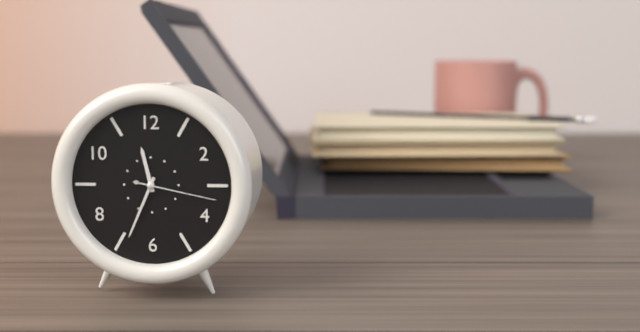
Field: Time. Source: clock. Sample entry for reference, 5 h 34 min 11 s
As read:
11 h 34 min 17 s
